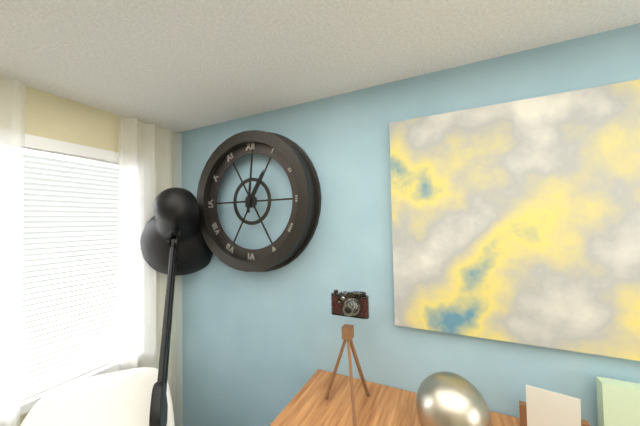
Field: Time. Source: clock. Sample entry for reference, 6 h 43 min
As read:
1 h 01 min
